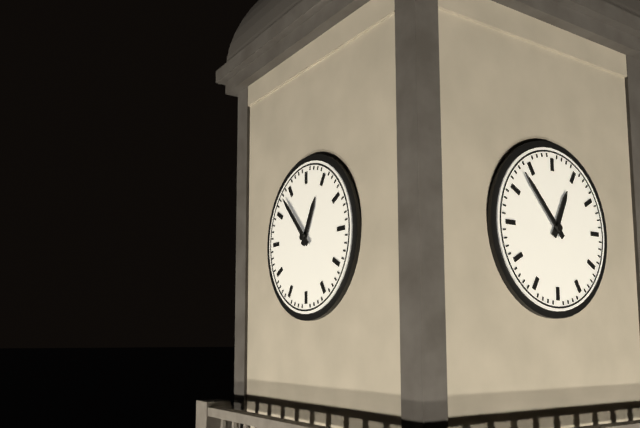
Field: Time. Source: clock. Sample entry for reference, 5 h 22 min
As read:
12 h 53 min
